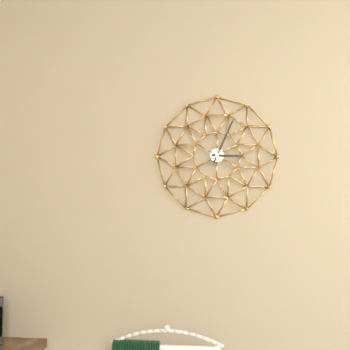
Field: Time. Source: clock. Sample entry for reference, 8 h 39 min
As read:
3 h 04 min
